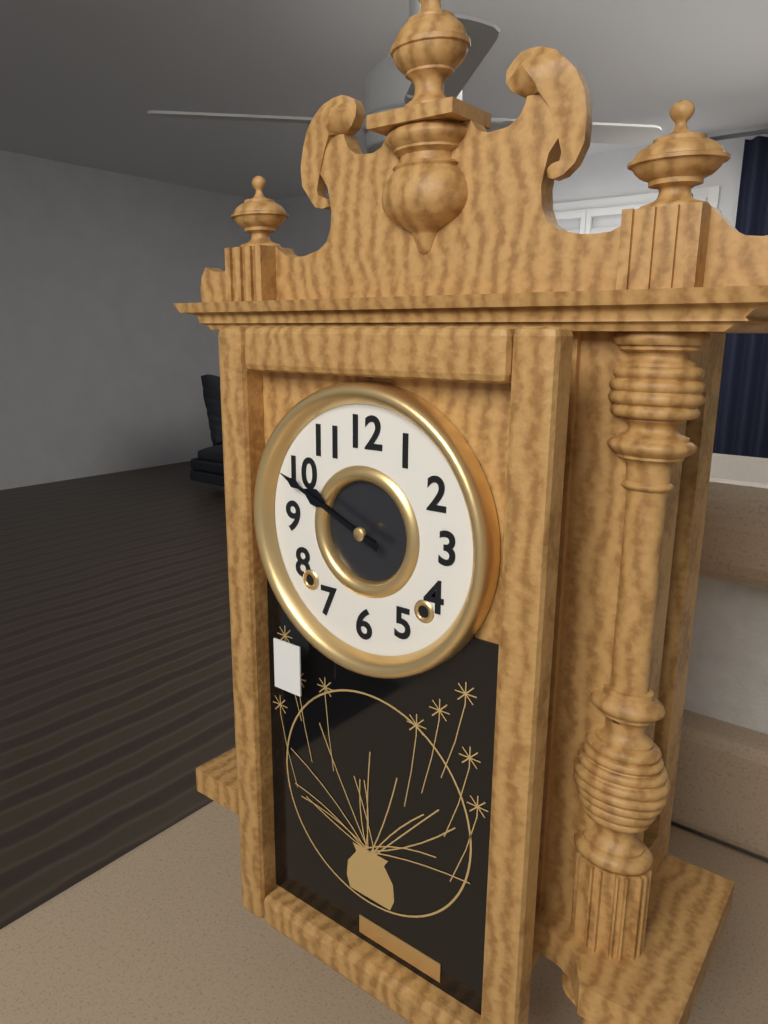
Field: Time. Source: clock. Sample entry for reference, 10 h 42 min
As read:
9 h 49 min
